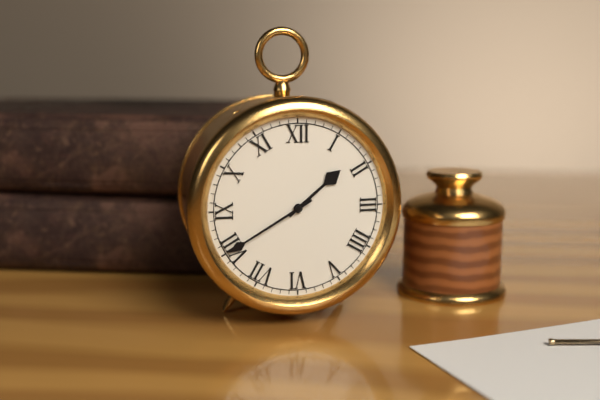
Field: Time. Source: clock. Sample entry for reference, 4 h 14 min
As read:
1 h 40 min
